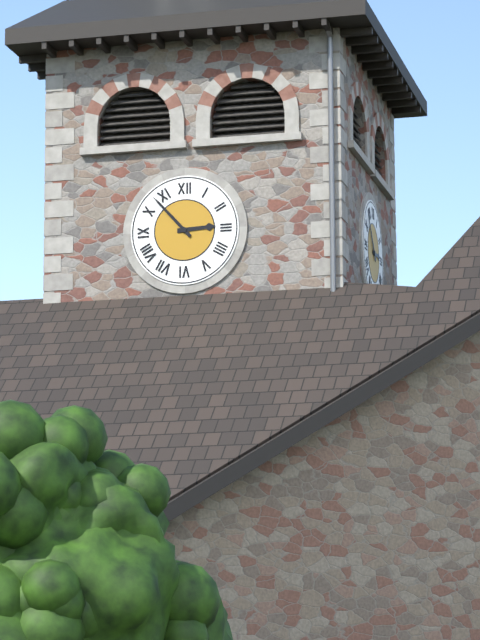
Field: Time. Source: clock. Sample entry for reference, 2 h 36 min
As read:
2 h 53 min
